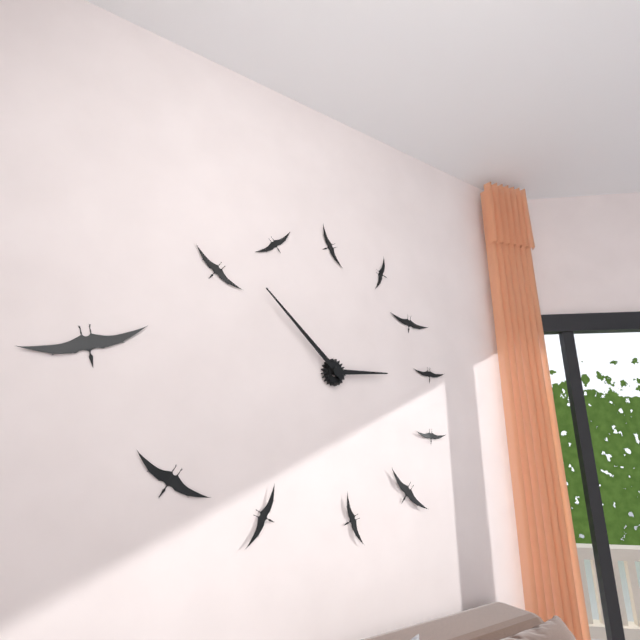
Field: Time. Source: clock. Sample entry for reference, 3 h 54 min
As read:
2 h 52 min
